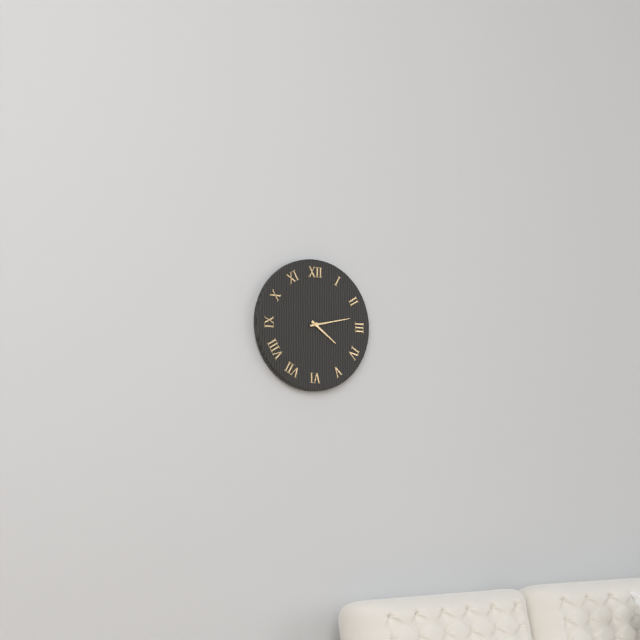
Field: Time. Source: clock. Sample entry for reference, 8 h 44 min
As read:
4 h 13 min
